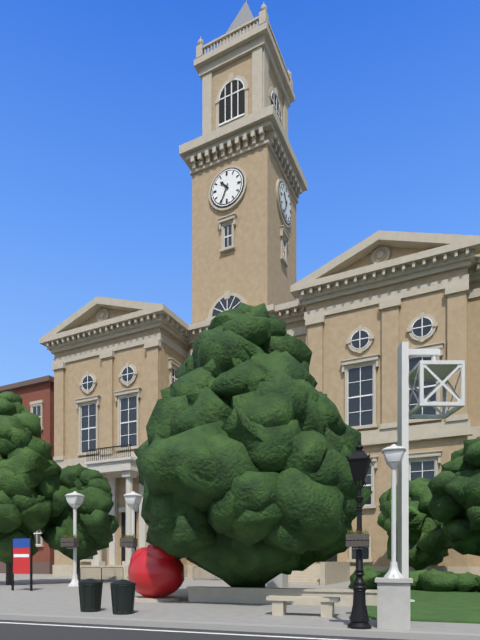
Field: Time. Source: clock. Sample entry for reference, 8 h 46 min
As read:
10 h 34 min
